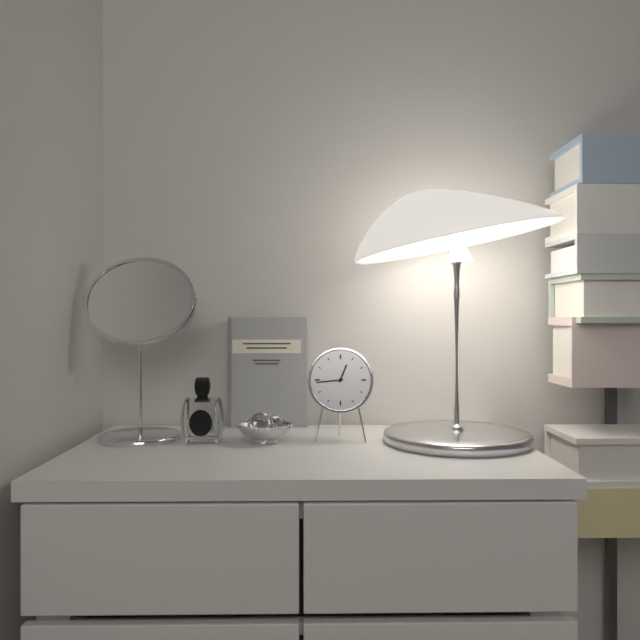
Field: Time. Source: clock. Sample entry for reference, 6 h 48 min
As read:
12 h 44 min
